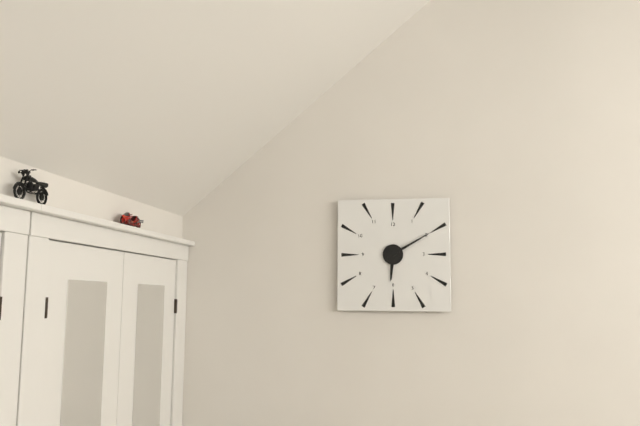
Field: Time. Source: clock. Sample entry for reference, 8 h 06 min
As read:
6 h 10 min
